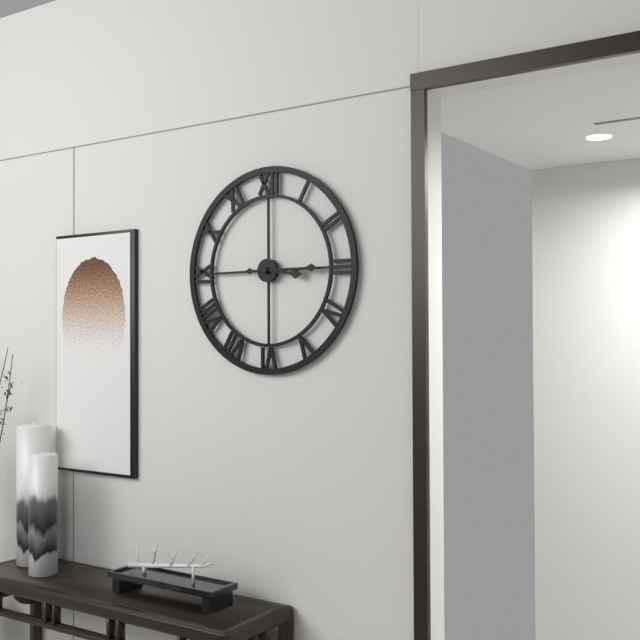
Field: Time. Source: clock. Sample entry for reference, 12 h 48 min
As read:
3 h 15 min
